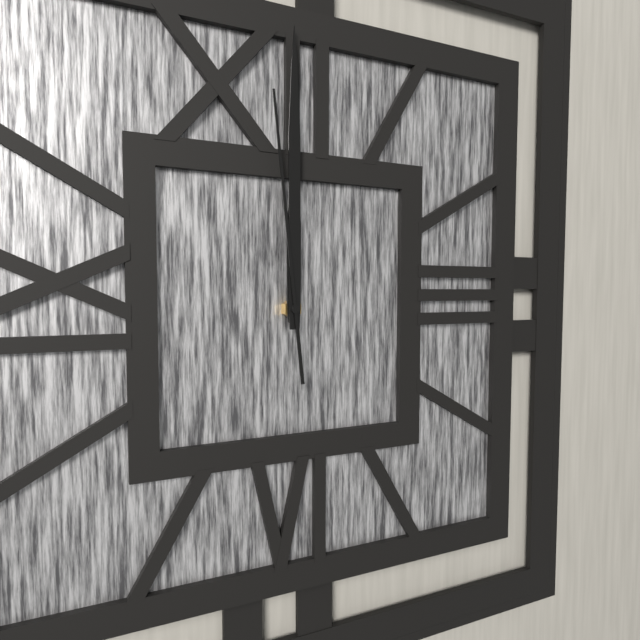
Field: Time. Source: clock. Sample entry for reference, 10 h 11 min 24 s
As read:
12 h 00 min 59 s
